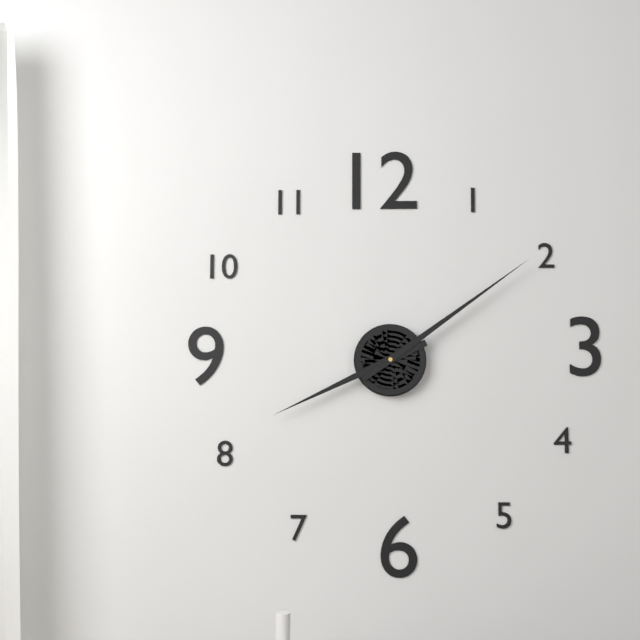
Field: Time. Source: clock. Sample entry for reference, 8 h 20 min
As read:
8 h 09 min
